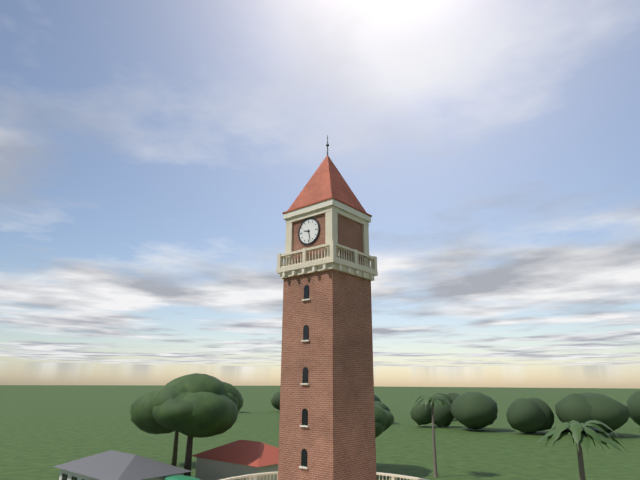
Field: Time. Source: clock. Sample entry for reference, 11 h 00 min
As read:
9 h 28 min
